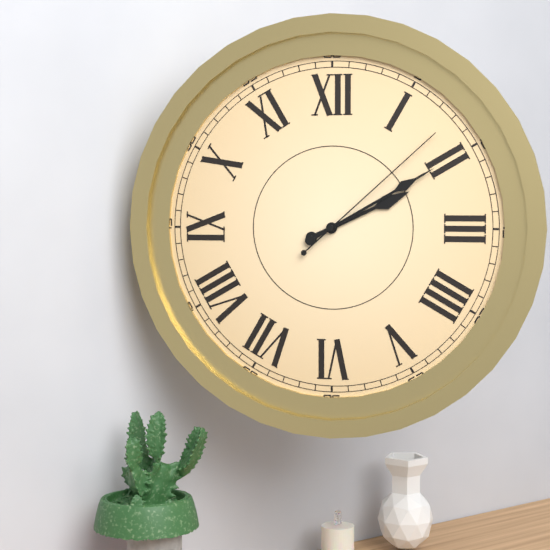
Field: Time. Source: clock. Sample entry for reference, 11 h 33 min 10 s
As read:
2 h 10 min 08 s
